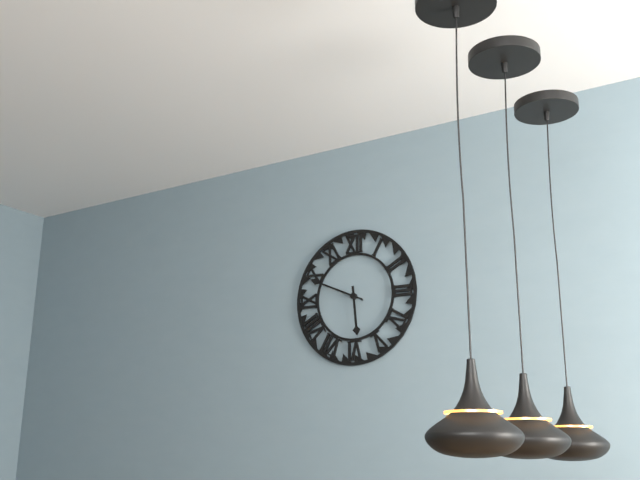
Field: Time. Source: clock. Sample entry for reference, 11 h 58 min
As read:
5 h 49 min
